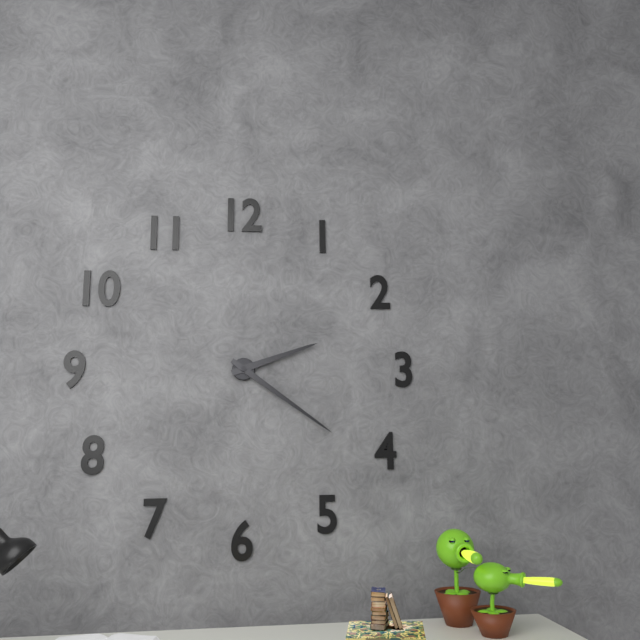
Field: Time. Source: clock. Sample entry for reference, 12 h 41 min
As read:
2 h 21 min
